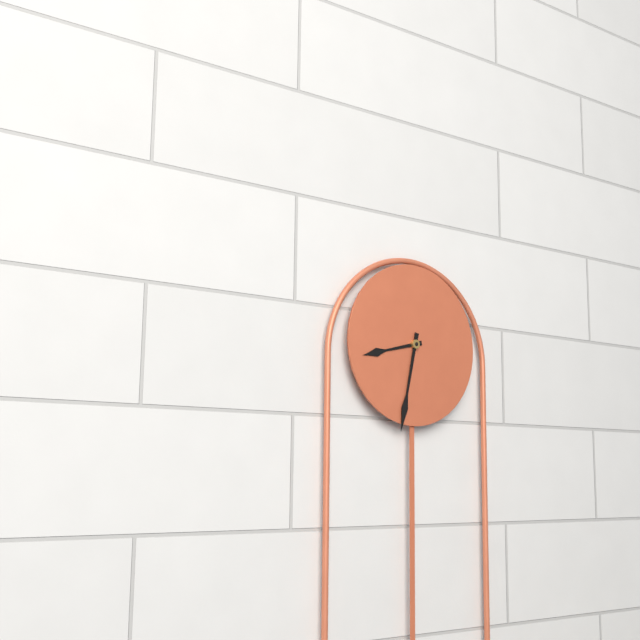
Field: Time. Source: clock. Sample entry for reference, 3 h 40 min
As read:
8 h 32 min
